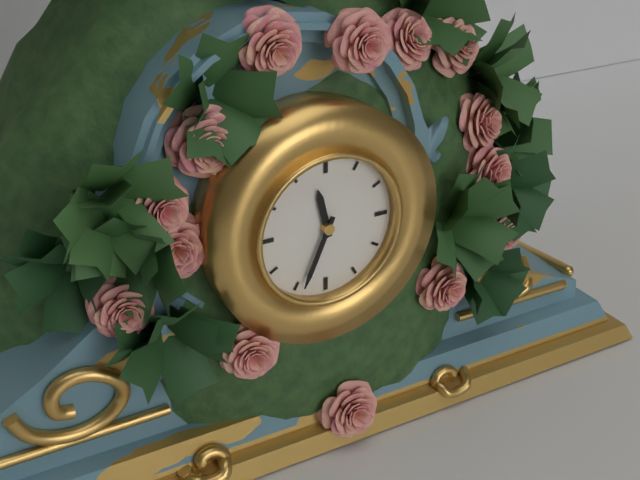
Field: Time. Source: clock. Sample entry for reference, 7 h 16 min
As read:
11 h 34 min
